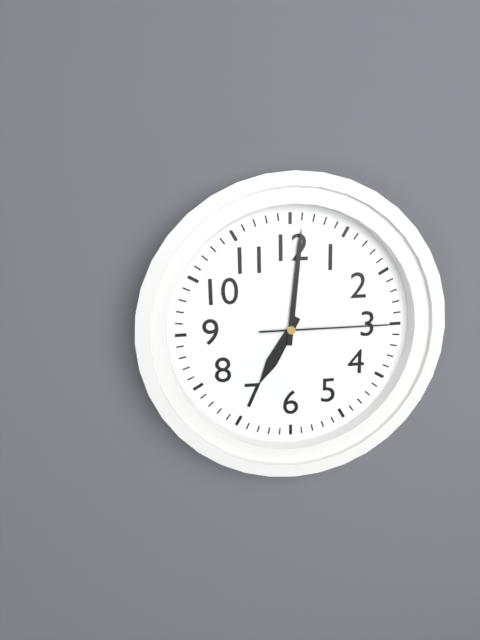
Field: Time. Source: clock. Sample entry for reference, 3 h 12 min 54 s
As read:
7 h 01 min 15 s
